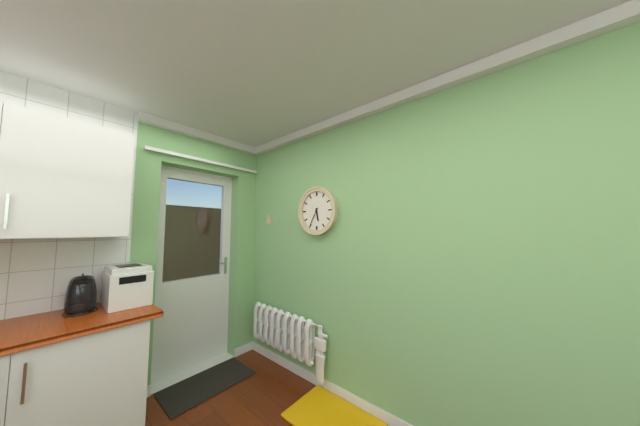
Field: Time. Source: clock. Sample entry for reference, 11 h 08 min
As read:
5 h 35 min
